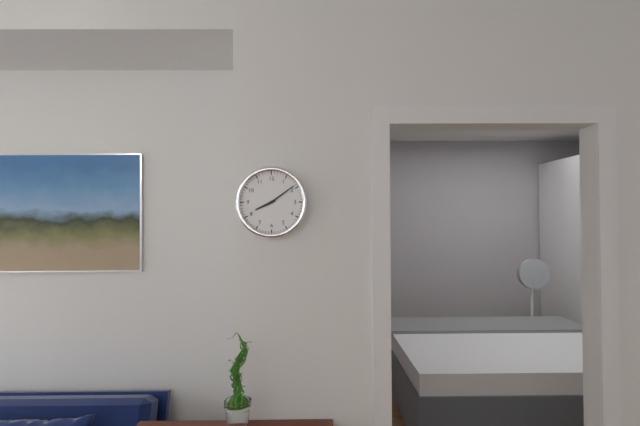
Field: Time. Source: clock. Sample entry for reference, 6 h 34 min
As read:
8 h 09 min
